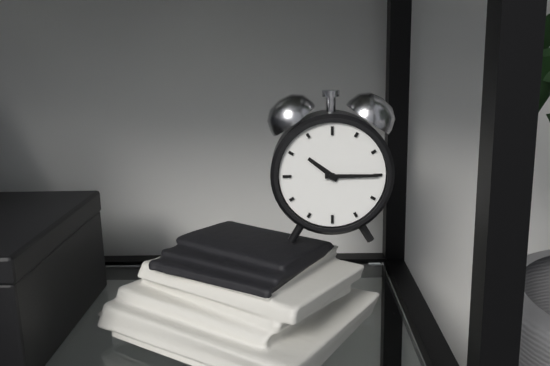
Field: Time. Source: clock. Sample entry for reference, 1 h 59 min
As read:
10 h 15 min
